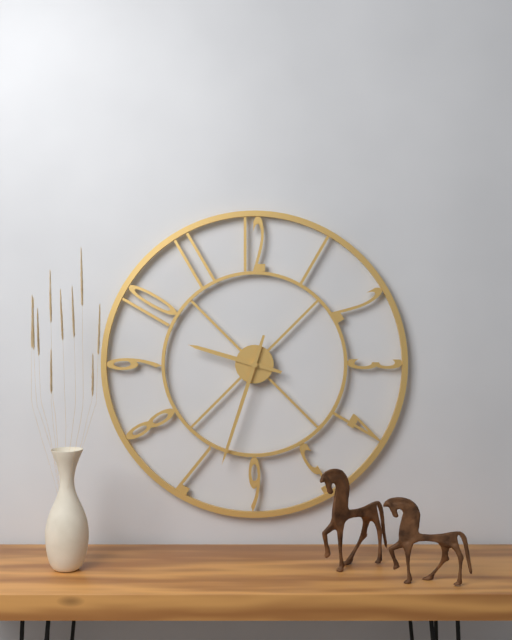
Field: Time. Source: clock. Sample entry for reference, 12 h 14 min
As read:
9 h 33 min
